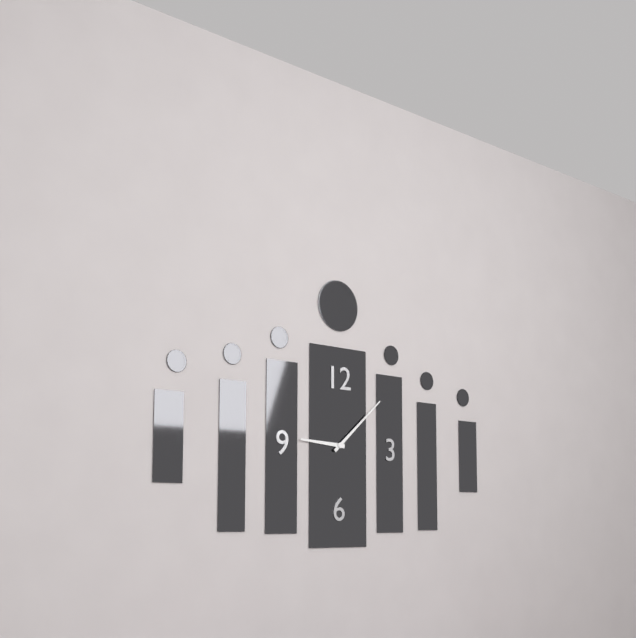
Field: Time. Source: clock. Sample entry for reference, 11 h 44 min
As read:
9 h 08 min
